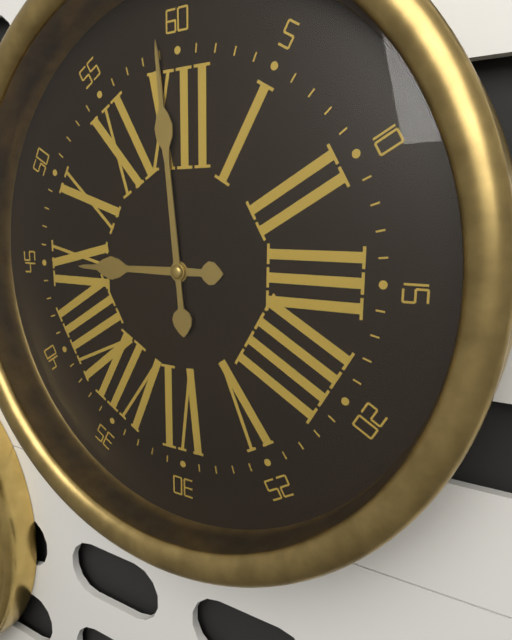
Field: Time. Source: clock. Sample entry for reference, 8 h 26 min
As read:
8 h 59 min
